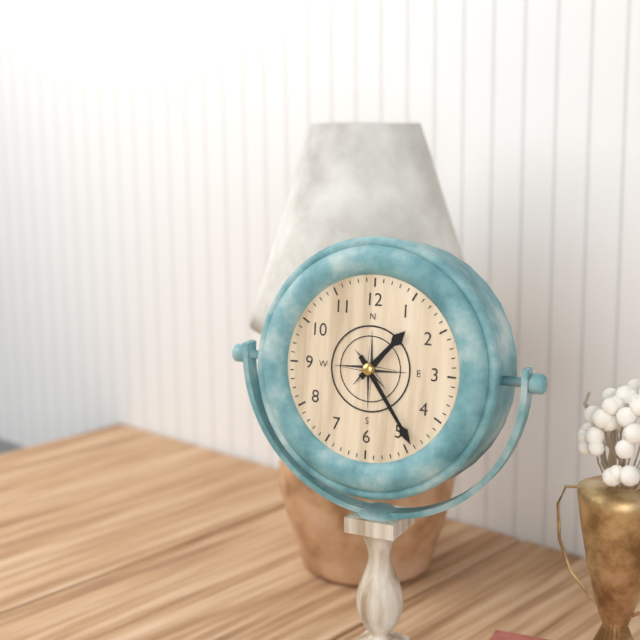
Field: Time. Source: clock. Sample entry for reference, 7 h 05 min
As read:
1 h 24 min
